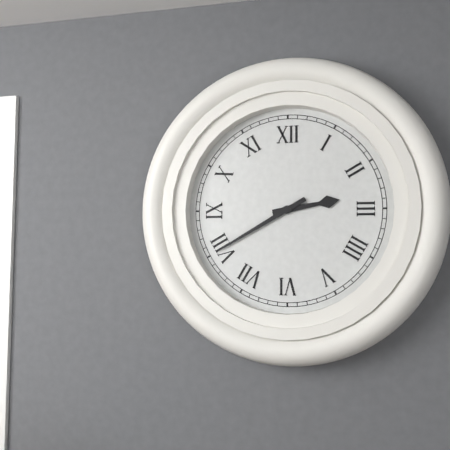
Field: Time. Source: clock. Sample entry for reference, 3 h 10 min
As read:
2 h 40 min
